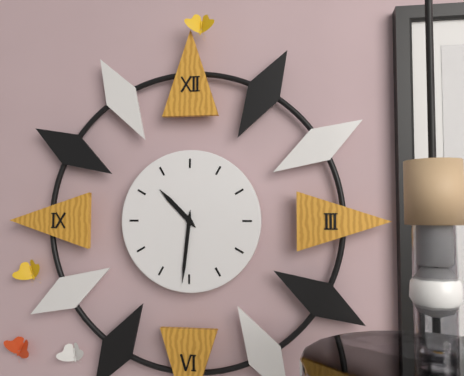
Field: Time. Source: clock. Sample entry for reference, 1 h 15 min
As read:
10 h 31 min
